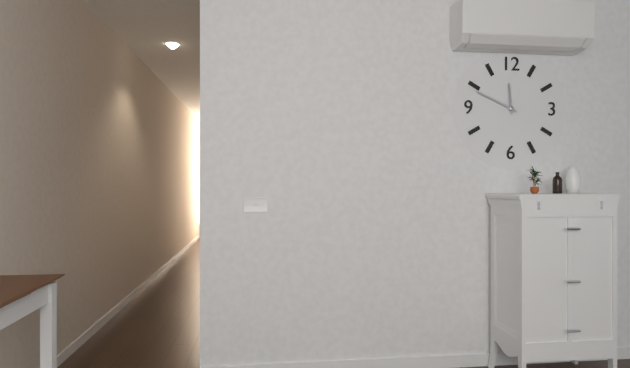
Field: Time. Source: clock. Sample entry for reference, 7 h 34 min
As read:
11 h 49 min
